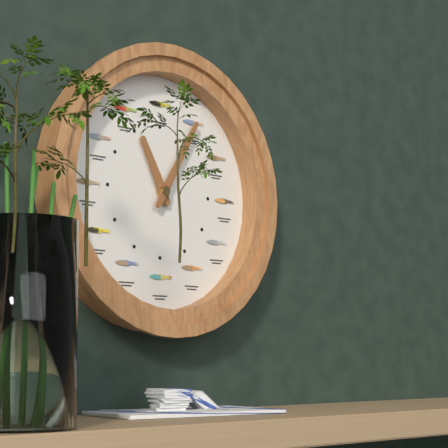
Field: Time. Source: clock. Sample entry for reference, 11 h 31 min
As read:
11 h 05 min
